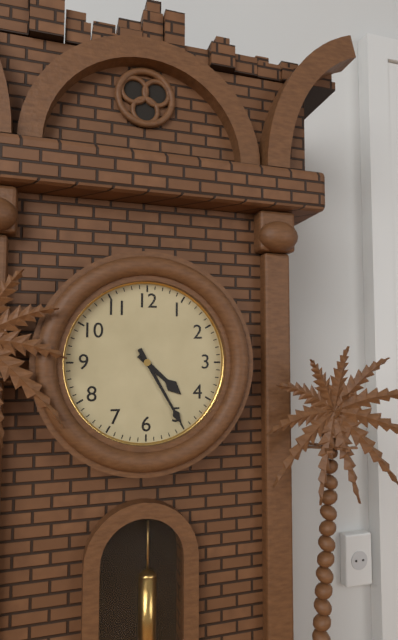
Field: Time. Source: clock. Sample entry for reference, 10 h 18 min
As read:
4 h 25 min
